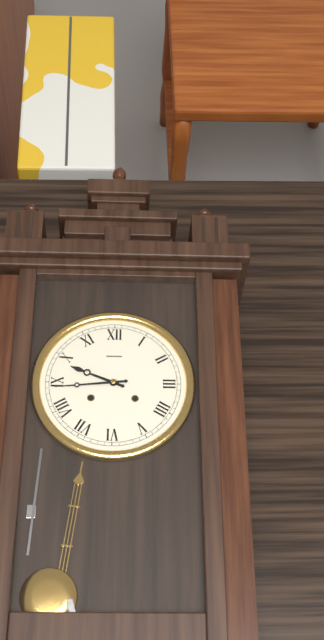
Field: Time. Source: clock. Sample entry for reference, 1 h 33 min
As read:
9 h 44 min
